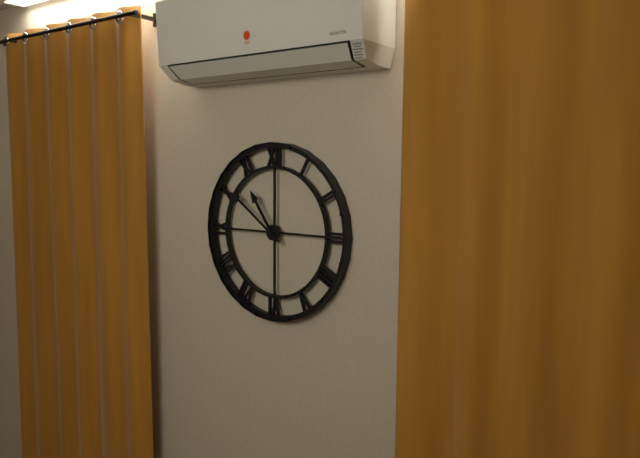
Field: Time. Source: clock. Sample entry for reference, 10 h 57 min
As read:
10 h 51 min
